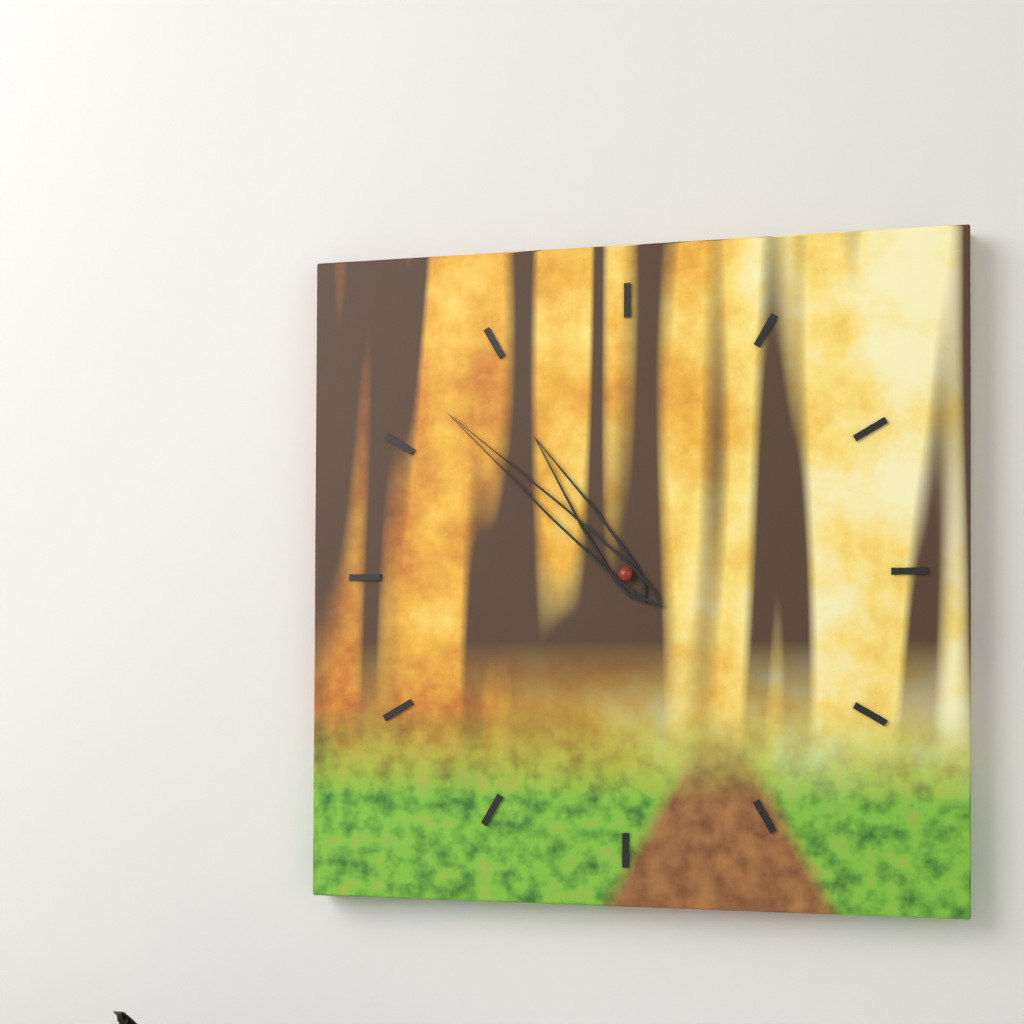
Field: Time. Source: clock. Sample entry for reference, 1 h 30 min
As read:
10 h 52 min
